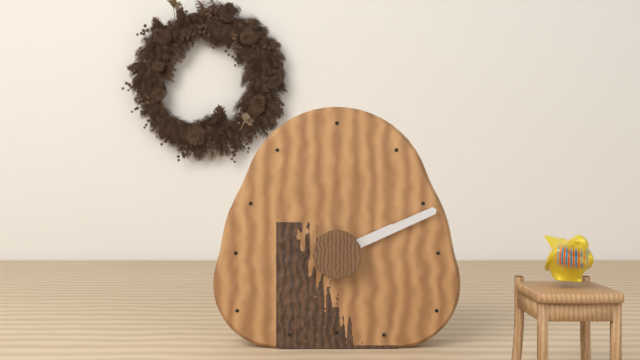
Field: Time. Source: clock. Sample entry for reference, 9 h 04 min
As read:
2 h 11 min
